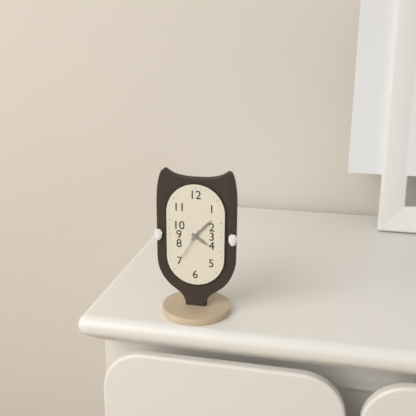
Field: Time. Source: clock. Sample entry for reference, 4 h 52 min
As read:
4 h 07 min
